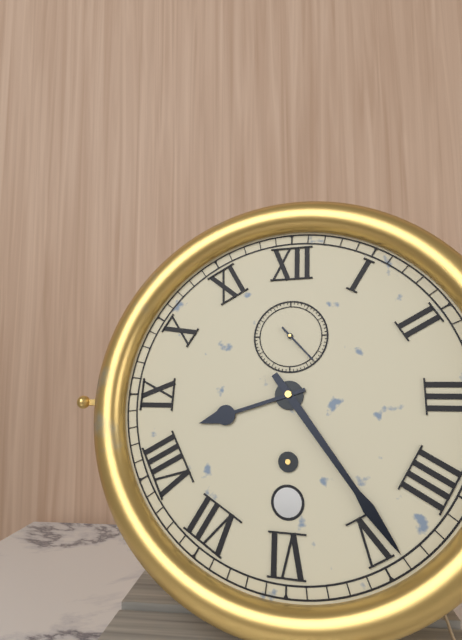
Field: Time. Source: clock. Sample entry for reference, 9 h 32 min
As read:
8 h 24 min
